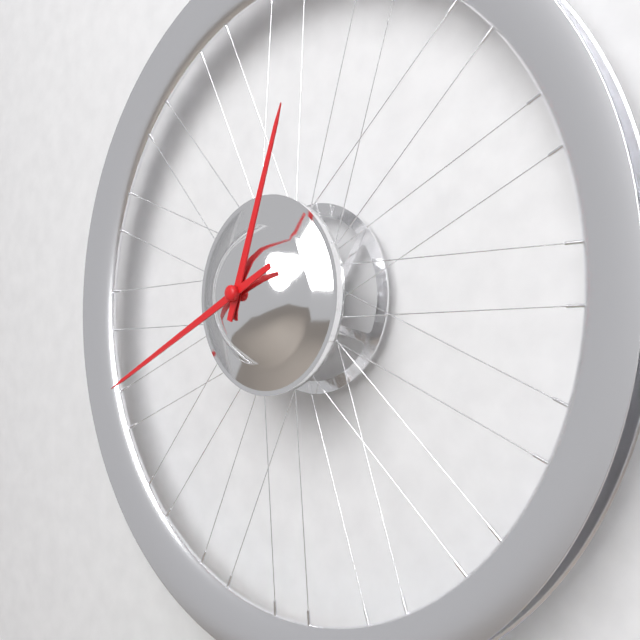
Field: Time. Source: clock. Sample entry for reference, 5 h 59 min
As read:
12 h 41 min
